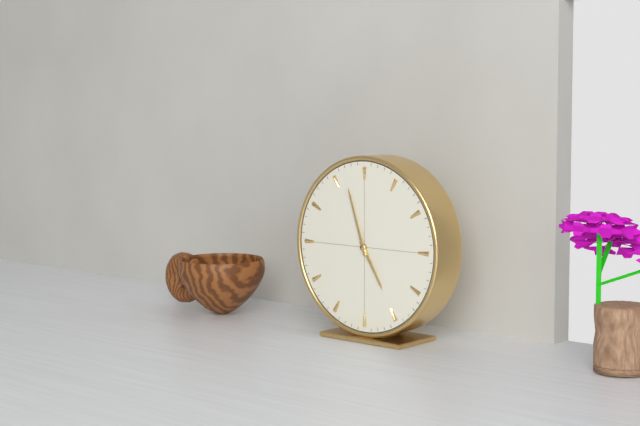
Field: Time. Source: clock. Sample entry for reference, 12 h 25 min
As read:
4 h 57 min
